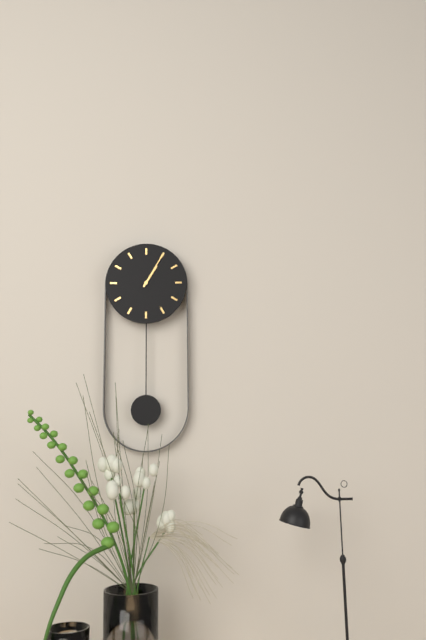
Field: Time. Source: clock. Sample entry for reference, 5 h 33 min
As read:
1 h 05 min
